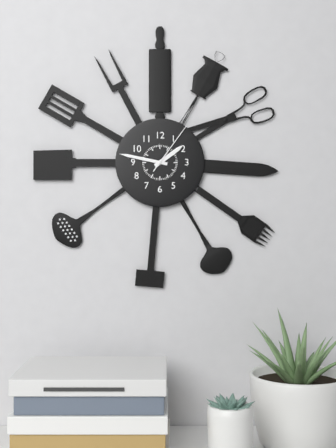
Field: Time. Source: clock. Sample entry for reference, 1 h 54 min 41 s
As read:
1 h 47 min 06 s
